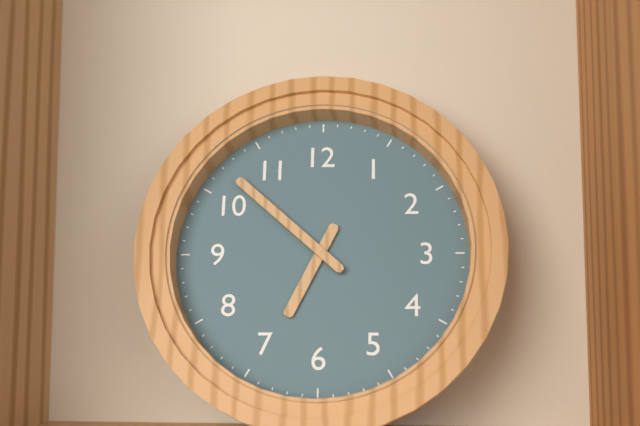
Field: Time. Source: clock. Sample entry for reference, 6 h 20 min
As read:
6 h 52 min
